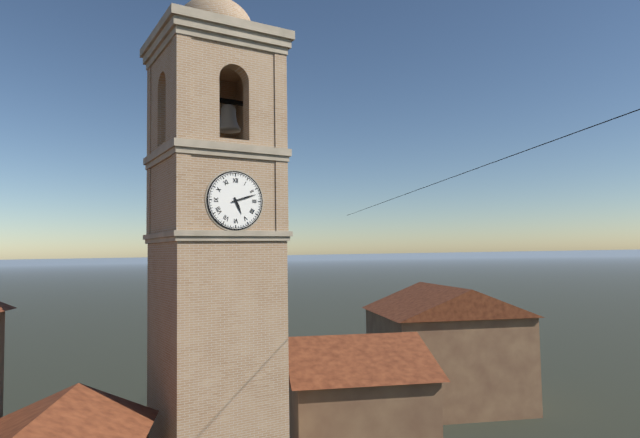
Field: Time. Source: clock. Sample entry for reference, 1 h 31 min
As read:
5 h 12 min
